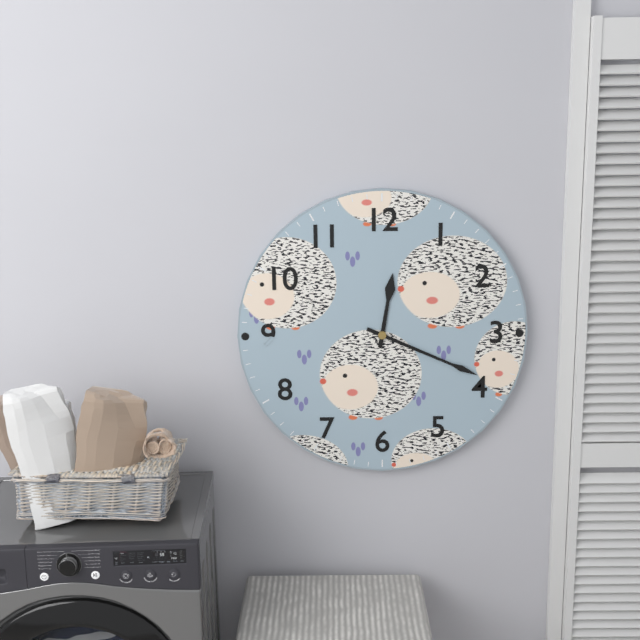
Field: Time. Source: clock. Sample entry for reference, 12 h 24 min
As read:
12 h 19 min
